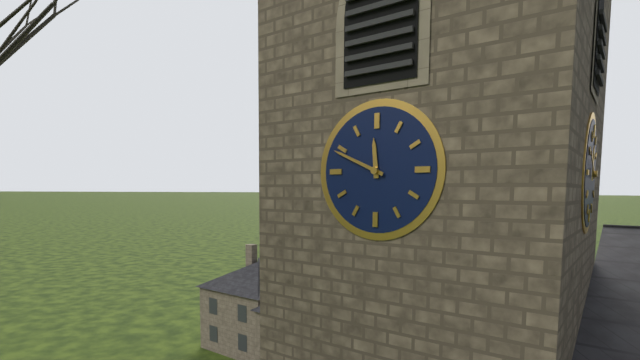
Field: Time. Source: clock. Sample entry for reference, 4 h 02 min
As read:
11 h 49 min
